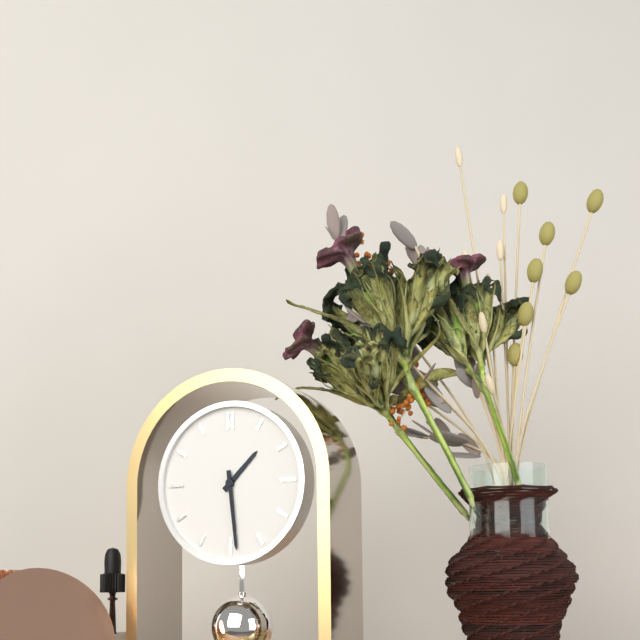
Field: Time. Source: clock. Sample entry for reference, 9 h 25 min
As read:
1 h 29 min
